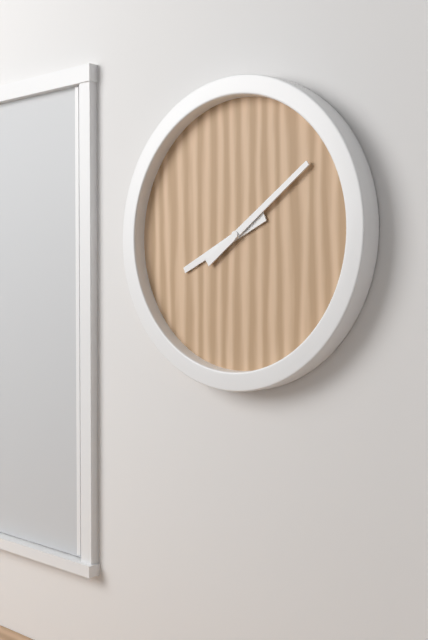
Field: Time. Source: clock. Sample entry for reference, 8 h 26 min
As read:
8 h 09 min
